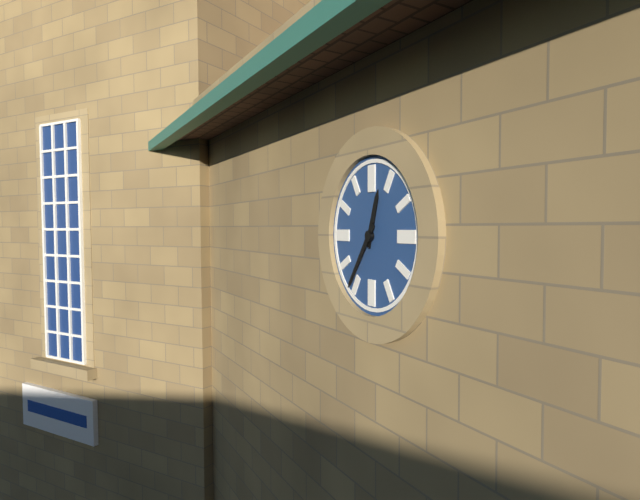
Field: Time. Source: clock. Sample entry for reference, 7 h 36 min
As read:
12 h 36 min
